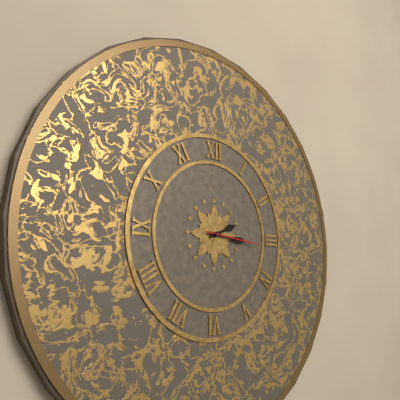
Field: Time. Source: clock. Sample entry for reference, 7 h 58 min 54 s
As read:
2 h 16 min 16 s
